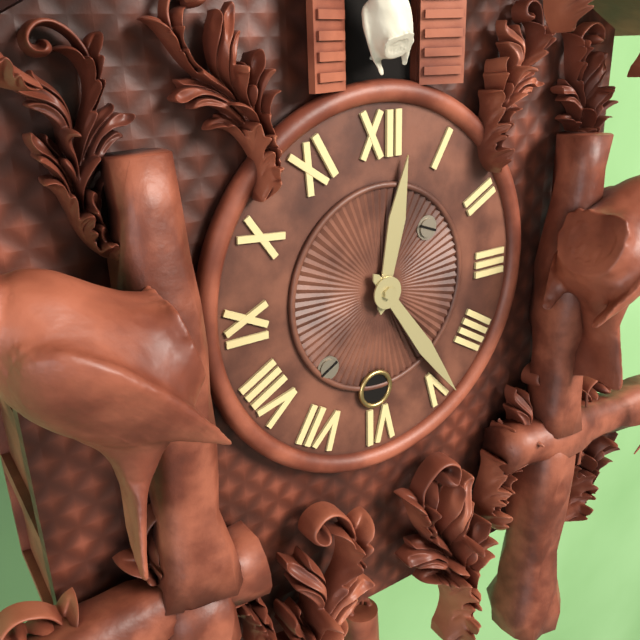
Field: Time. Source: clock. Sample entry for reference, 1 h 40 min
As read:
12 h 24 min
